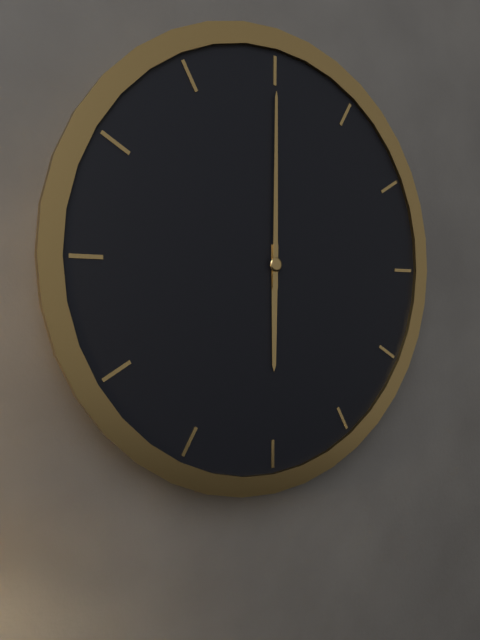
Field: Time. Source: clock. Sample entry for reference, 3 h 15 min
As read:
6 h 00 min
